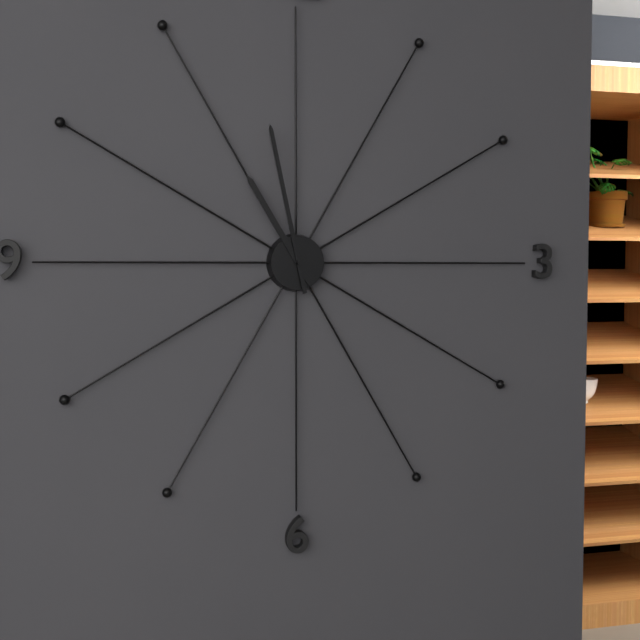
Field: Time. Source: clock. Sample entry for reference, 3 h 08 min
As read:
10 h 58 min
